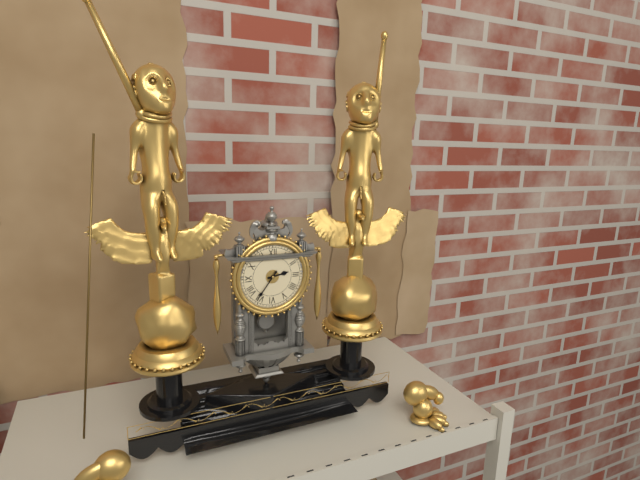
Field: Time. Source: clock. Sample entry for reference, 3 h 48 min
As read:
2 h 36 min
